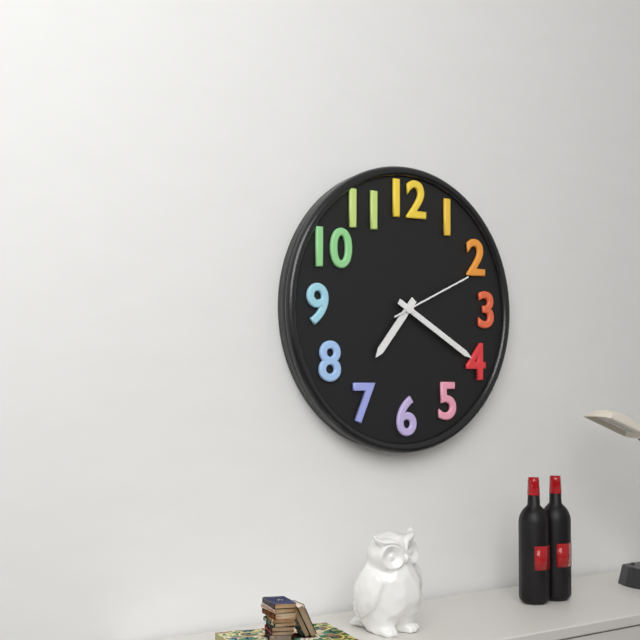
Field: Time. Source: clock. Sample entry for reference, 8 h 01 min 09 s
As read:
7 h 20 min 11 s
